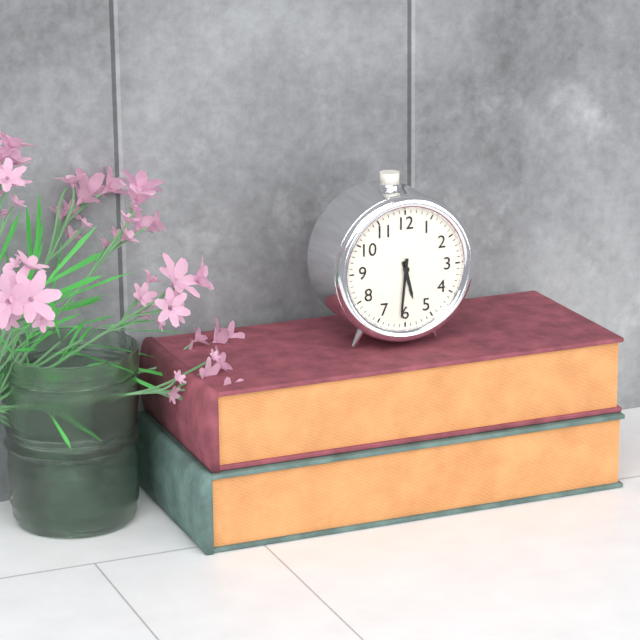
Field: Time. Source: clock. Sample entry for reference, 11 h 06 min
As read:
5 h 31 min
